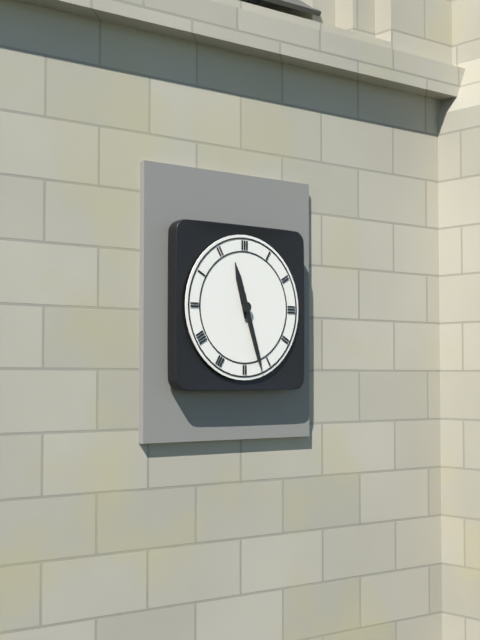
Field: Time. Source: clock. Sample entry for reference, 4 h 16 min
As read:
11 h 27 min
